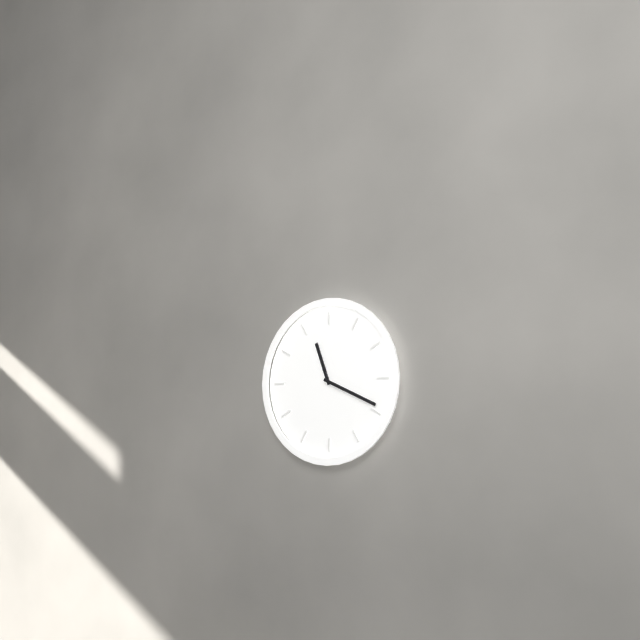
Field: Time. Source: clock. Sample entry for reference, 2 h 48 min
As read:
11 h 19 min
